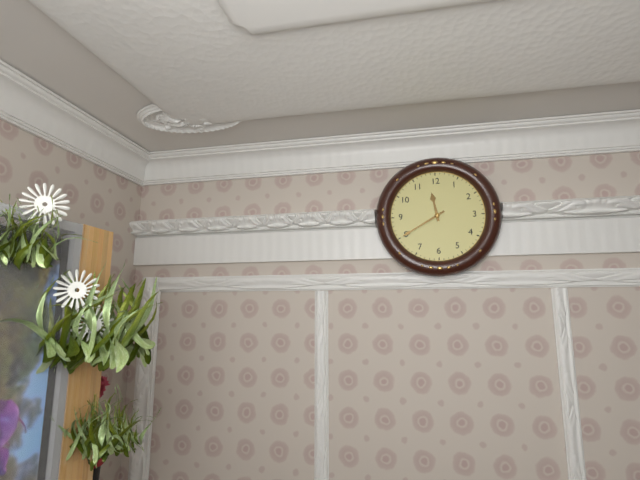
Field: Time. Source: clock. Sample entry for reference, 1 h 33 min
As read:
11 h 40 min
